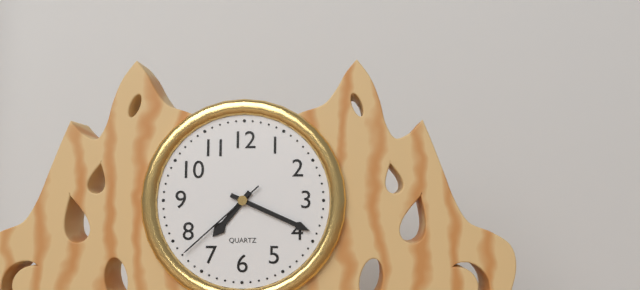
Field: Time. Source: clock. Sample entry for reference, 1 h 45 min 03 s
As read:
7 h 19 min 38 s
